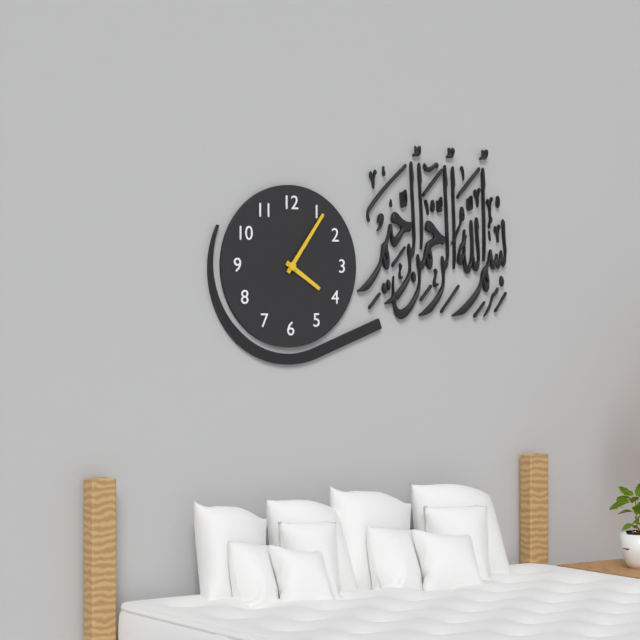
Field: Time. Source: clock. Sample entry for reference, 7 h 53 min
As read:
4 h 06 min
